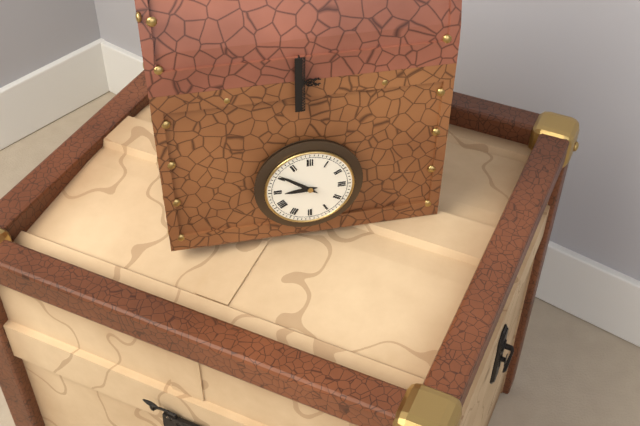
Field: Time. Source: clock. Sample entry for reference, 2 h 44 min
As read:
8 h 51 min
